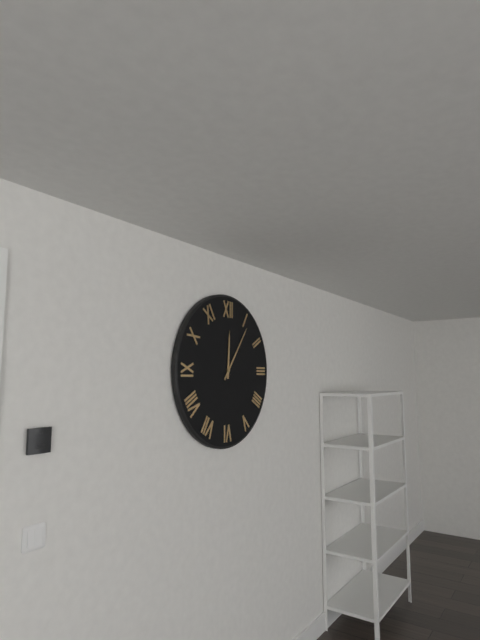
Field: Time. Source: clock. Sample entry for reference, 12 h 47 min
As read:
12 h 06 min
